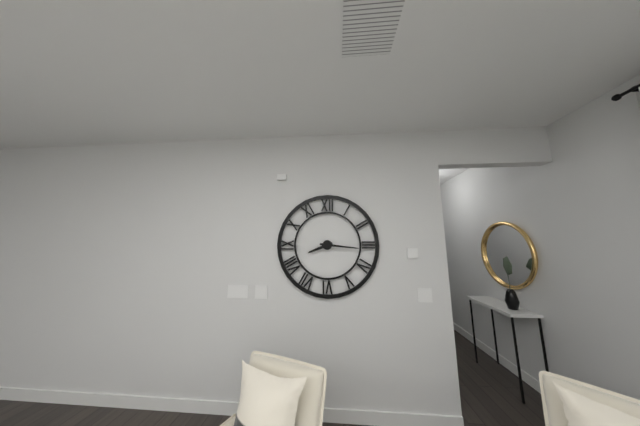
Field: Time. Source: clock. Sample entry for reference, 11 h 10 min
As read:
8 h 16 min
